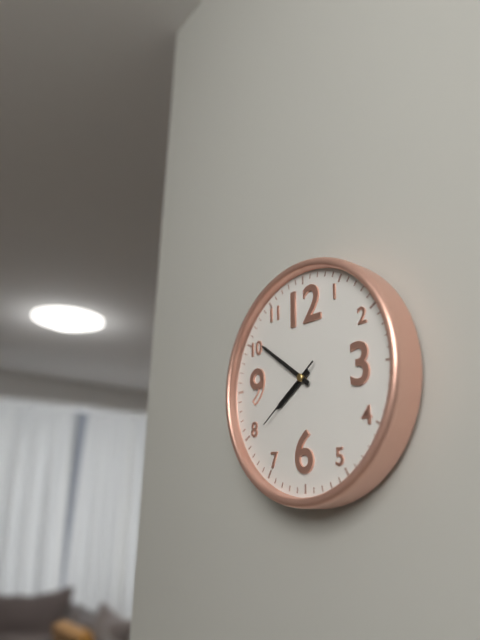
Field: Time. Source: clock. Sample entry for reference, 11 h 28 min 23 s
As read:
7 h 51 min 39 s
